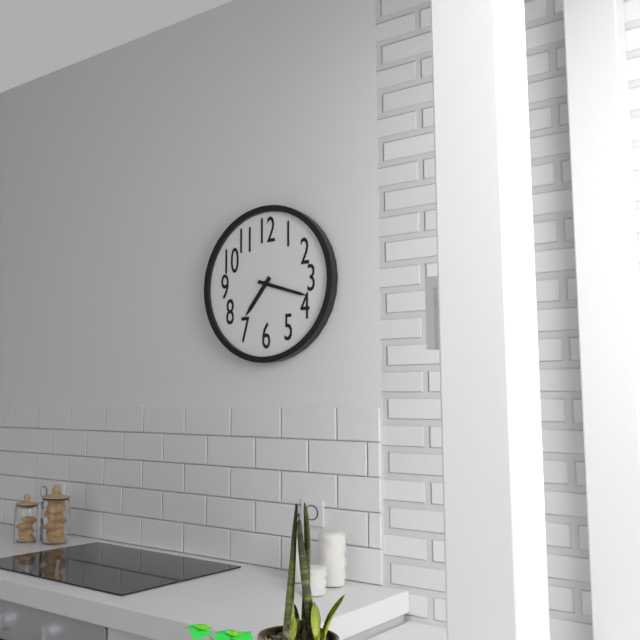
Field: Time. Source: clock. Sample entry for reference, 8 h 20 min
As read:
7 h 18 min
